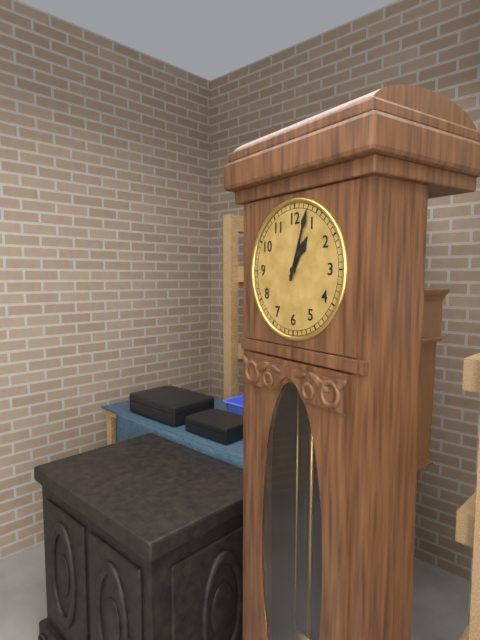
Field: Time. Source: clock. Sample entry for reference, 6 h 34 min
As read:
1 h 03 min
